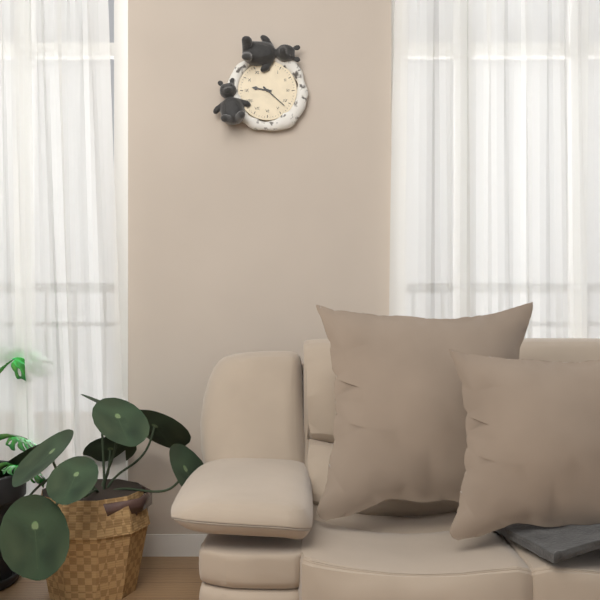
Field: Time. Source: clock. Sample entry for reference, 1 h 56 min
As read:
9 h 22 min
